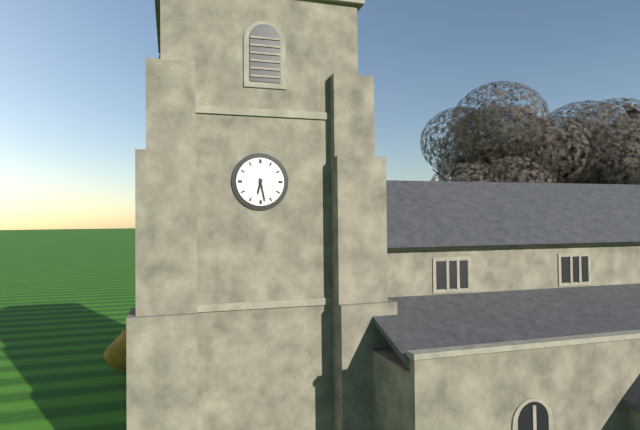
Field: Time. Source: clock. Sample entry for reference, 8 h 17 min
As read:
6 h 28 min
